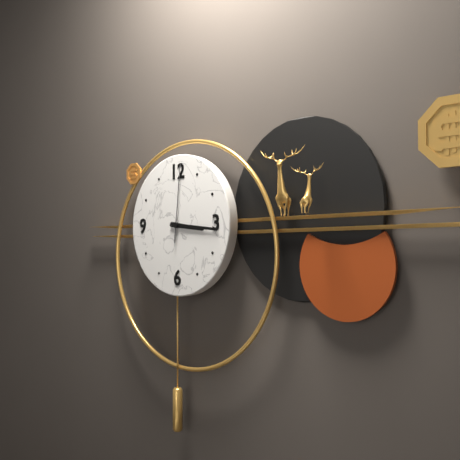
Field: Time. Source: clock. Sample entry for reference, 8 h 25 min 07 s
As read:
3 h 16 min 01 s
